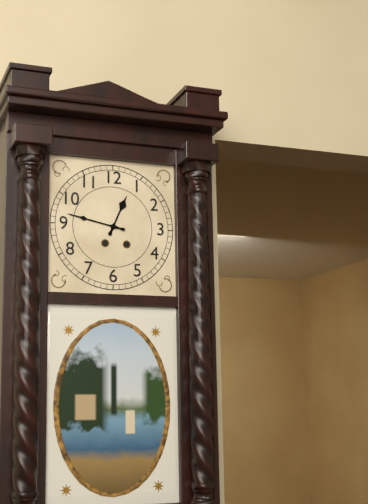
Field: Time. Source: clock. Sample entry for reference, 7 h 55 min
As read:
12 h 47 min
